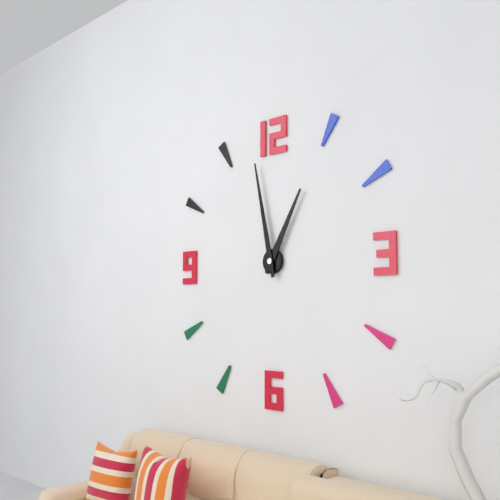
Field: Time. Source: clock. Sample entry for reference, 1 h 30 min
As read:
12 h 58 min
